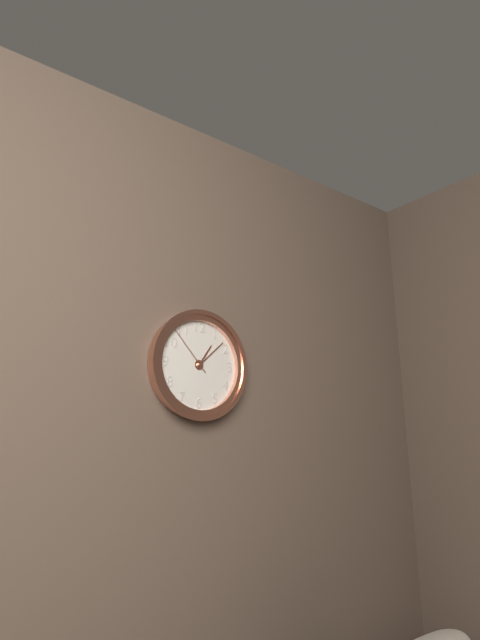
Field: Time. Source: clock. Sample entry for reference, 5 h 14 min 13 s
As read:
1 h 08 min 53 s
